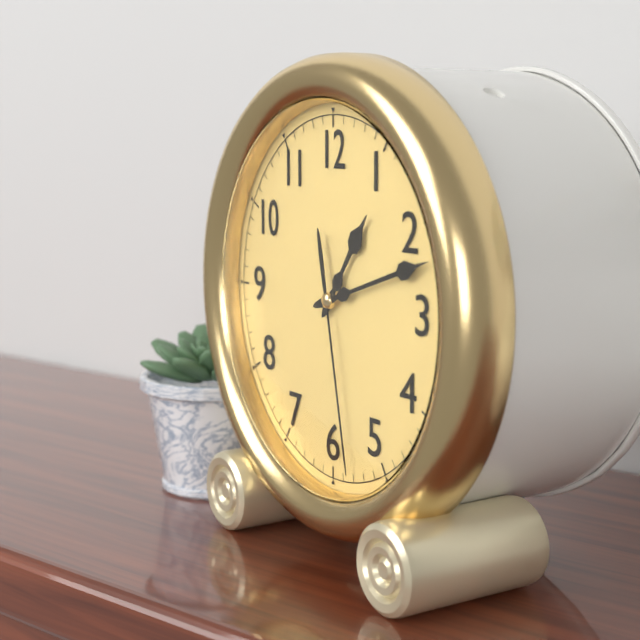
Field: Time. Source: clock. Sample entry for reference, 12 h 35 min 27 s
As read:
1 h 12 min 28 s
